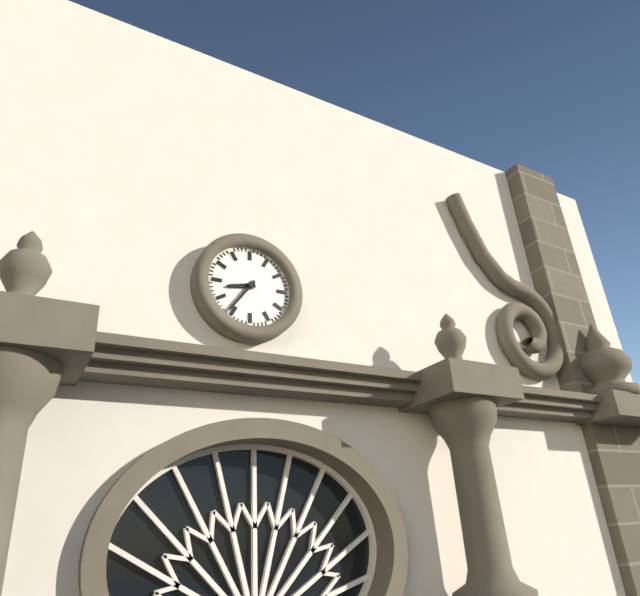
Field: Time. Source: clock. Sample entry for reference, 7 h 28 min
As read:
8 h 36 min
